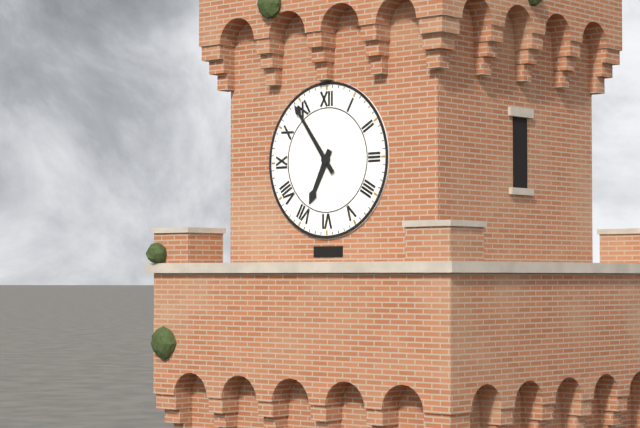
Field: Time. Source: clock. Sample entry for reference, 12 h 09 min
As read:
6 h 54 min
